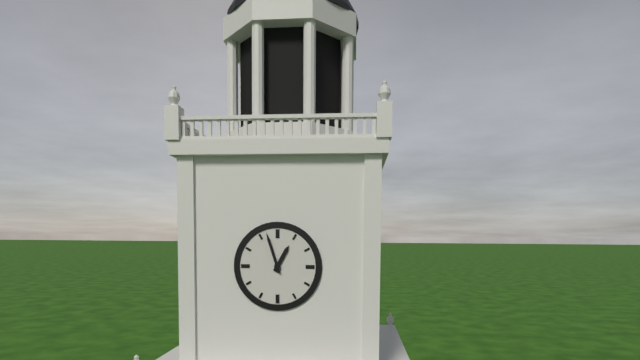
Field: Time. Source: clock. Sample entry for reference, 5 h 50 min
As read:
12 h 57 min
